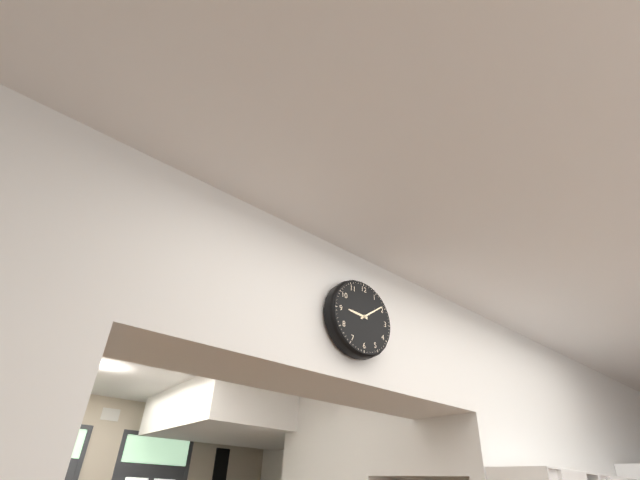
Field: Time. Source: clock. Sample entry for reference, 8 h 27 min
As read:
9 h 09 min
